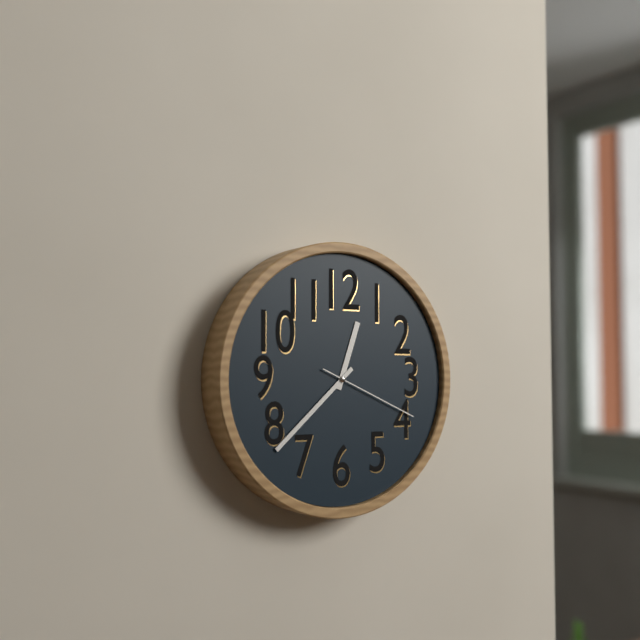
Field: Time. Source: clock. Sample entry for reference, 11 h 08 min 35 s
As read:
12 h 38 min 19 s
